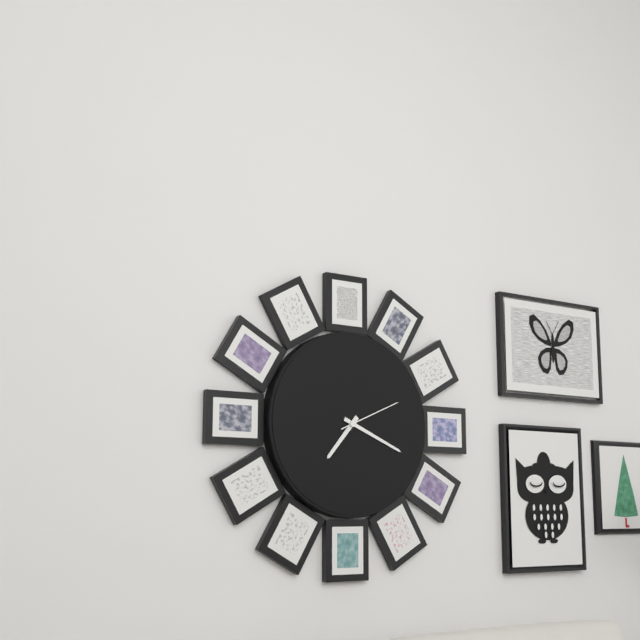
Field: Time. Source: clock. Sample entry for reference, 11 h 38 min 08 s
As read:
7 h 19 min 11 s
